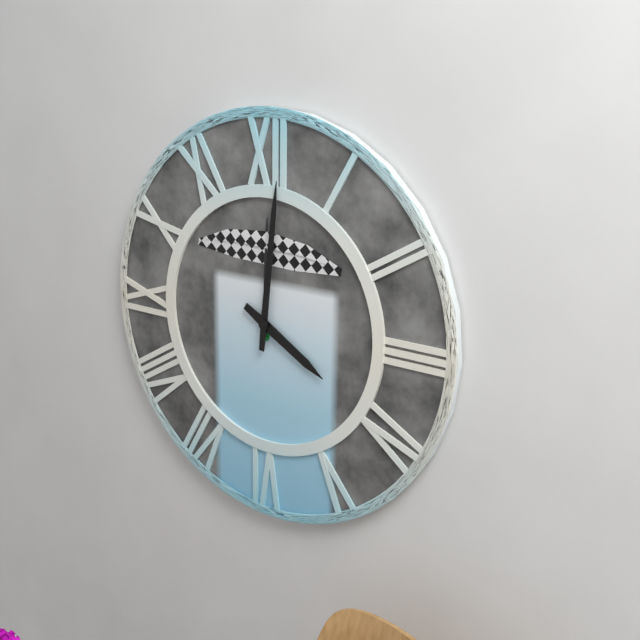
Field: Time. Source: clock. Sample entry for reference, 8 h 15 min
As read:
4 h 01 min
